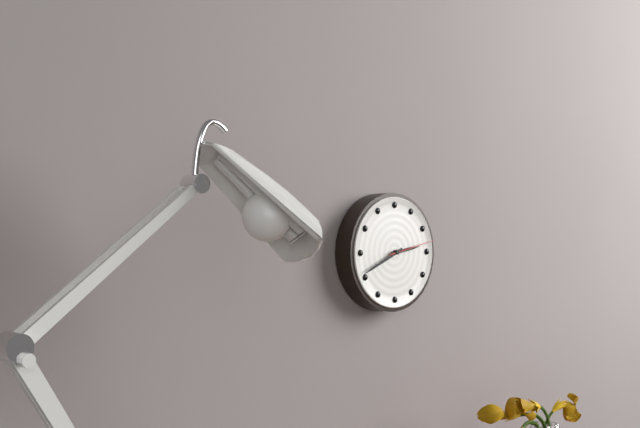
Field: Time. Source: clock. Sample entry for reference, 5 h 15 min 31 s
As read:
2 h 41 min 13 s
